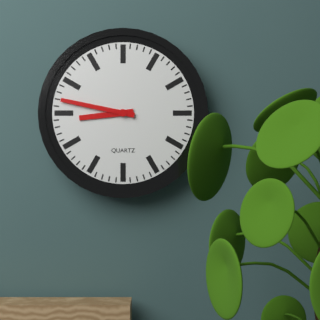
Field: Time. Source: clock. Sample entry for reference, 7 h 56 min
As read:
8 h 47 min
